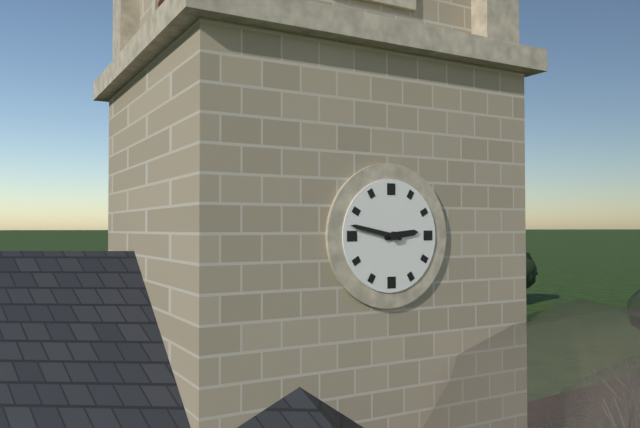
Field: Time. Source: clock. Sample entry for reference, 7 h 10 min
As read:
2 h 47 min
